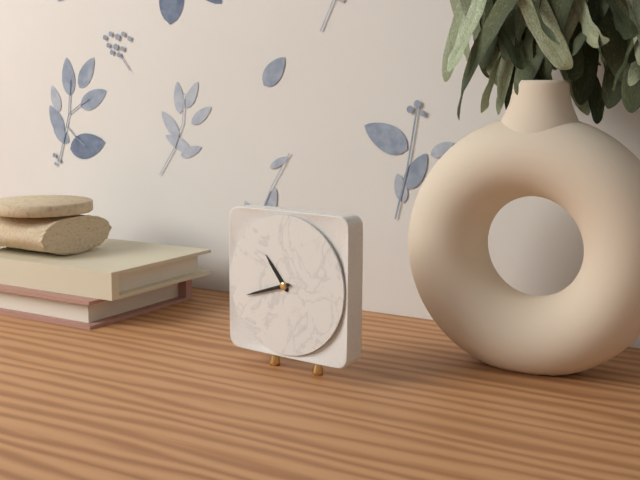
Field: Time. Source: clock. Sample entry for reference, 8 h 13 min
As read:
10 h 42 min
